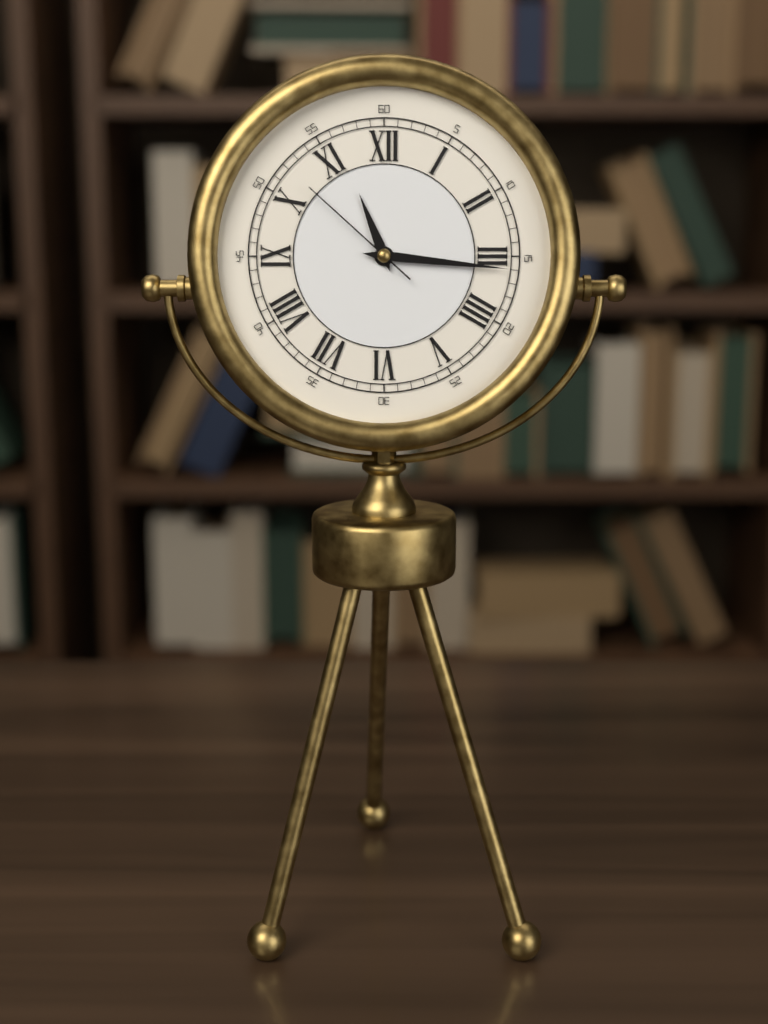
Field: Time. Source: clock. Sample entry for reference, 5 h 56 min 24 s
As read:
11 h 16 min 52 s
